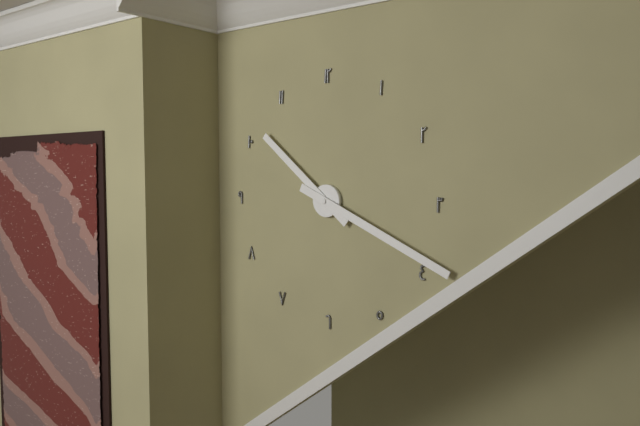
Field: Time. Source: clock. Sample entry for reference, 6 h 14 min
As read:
10 h 19 min
